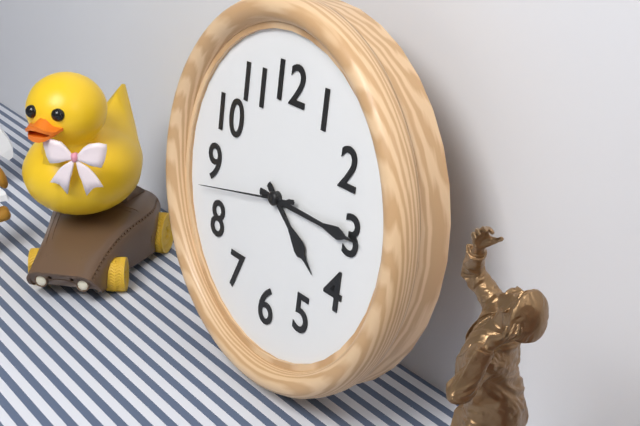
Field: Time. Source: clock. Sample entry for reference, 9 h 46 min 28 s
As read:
4 h 15 min 43 s
